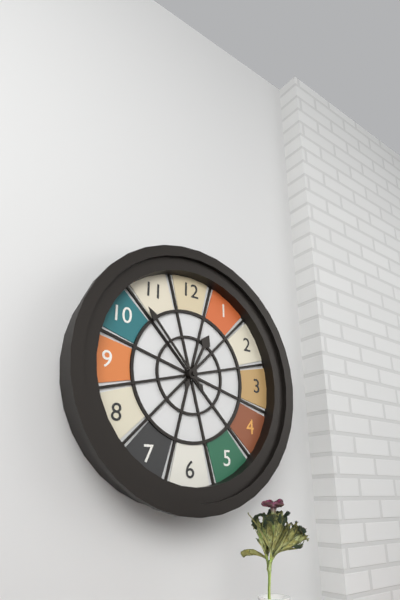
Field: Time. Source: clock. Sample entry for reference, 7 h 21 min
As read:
12 h 53 min
